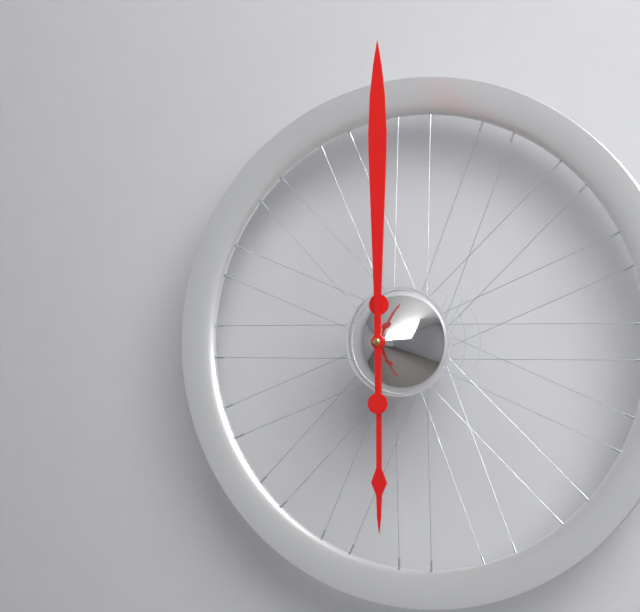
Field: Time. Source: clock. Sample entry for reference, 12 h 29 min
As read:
6 h 00 min
